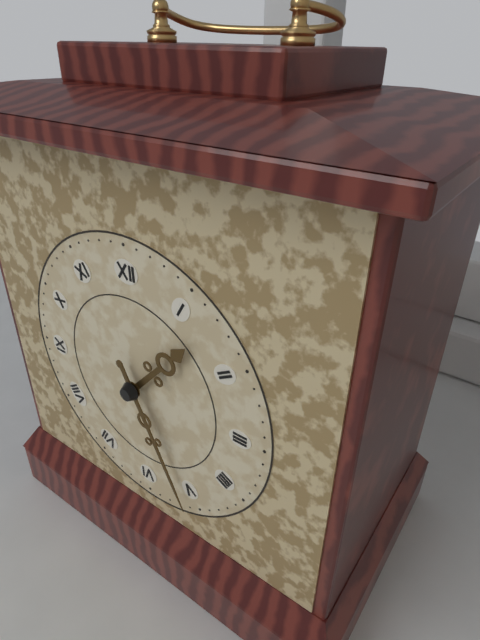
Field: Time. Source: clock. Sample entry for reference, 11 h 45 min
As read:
1 h 26 min
